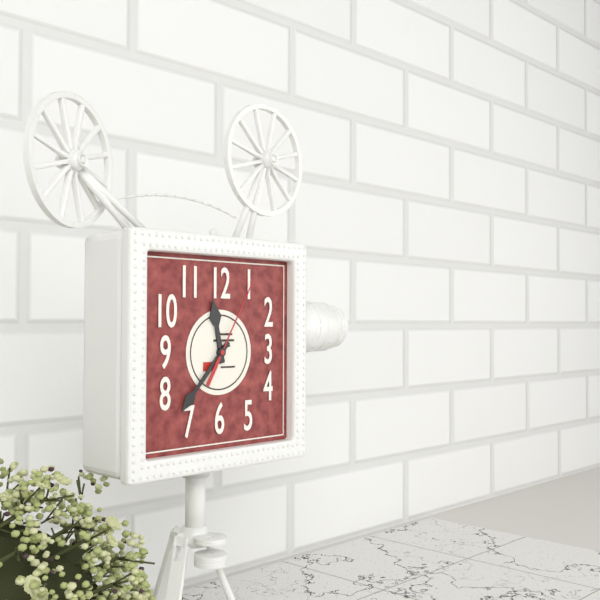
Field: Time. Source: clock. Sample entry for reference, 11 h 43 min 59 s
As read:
11 h 37 min 05 s
